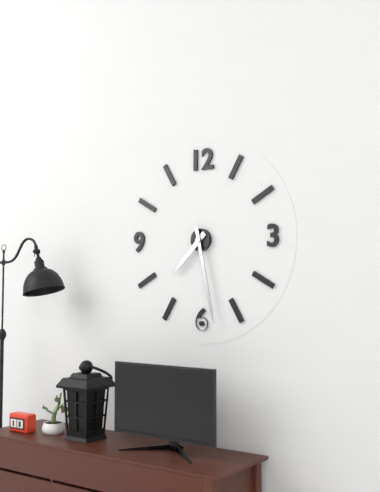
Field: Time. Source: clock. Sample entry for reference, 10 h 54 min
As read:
7 h 28 min
